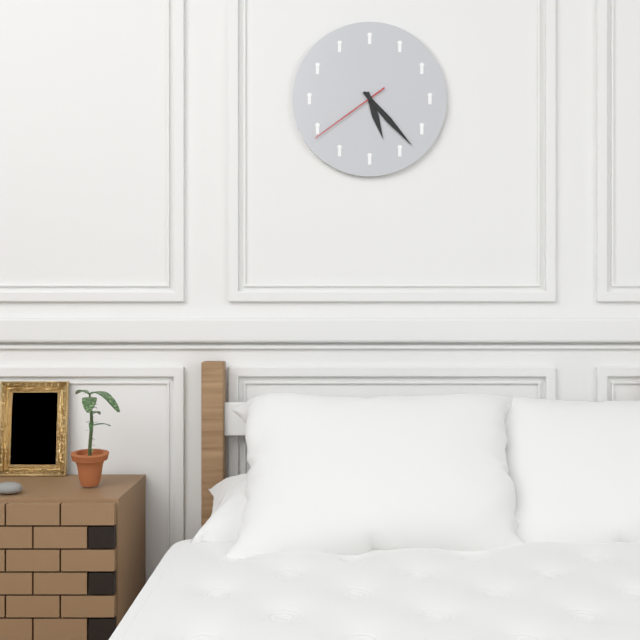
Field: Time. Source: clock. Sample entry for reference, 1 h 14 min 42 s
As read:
5 h 23 min 39 s
